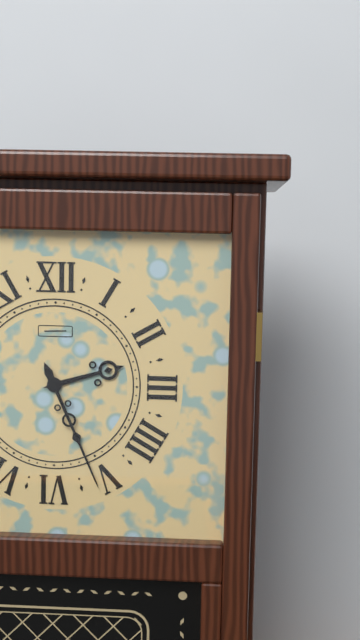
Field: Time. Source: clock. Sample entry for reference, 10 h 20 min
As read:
2 h 26 min
